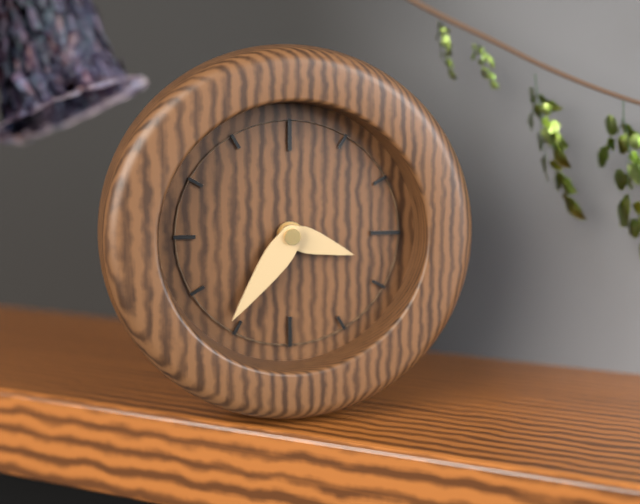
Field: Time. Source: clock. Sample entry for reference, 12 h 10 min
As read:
3 h 36 min
